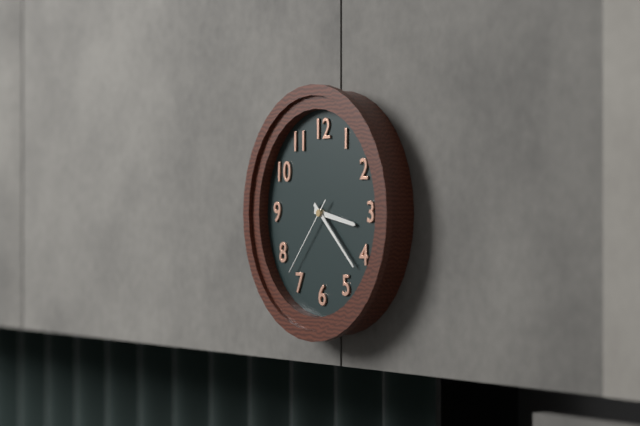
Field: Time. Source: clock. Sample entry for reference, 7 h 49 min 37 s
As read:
3 h 22 min 37 s
